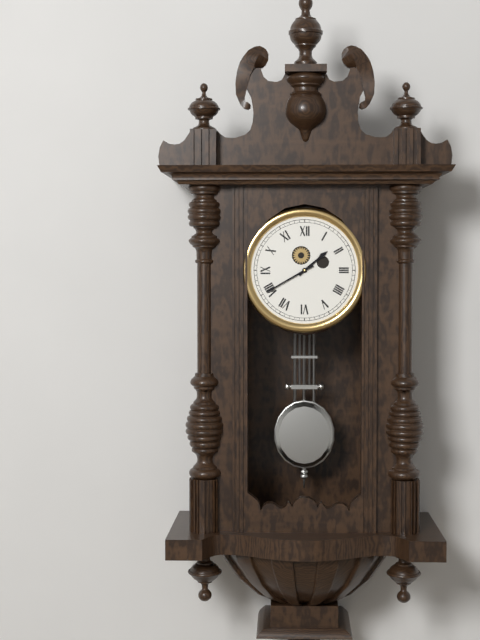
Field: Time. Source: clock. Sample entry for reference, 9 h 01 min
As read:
1 h 40 min
